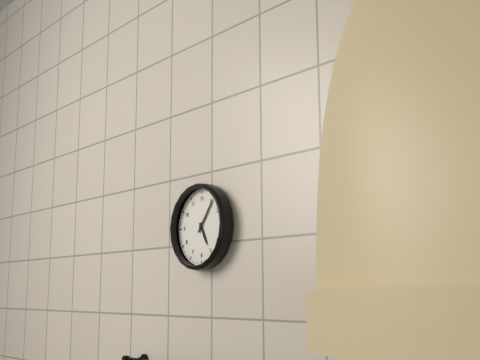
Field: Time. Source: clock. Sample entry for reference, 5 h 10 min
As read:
5 h 06 min
